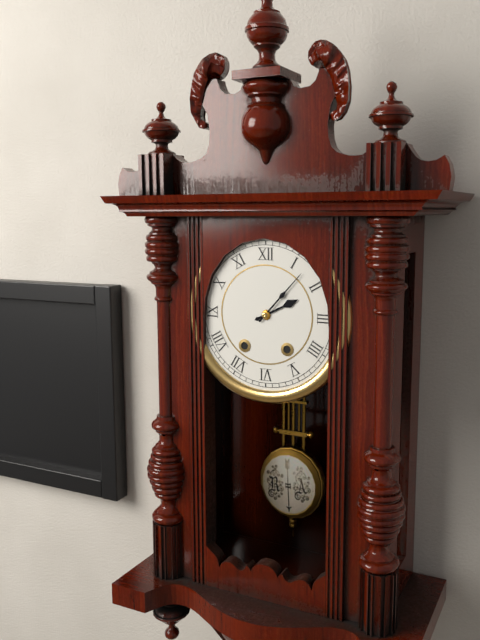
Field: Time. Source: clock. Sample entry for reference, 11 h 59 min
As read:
2 h 07 min
